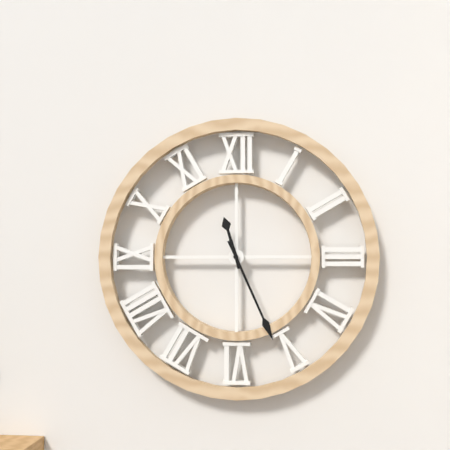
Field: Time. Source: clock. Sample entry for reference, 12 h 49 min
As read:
11 h 26 min
